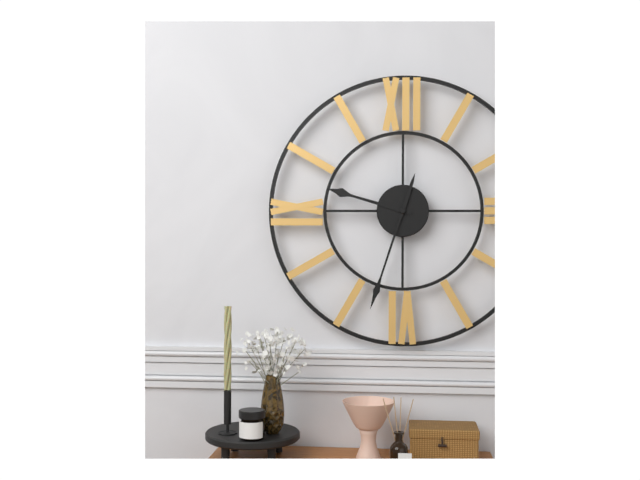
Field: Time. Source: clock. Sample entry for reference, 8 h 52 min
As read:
9 h 33 min
